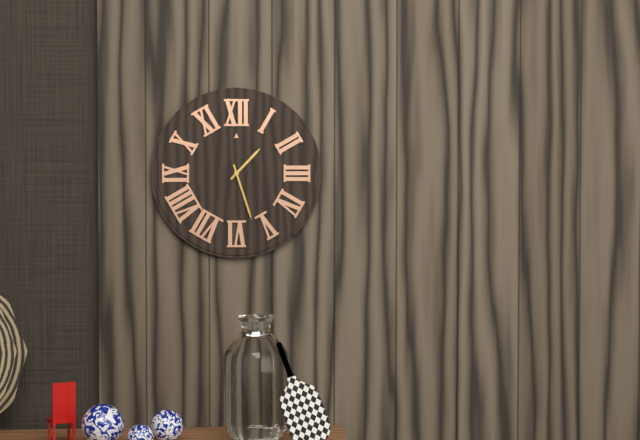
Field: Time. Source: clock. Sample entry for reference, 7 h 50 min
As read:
1 h 27 min
